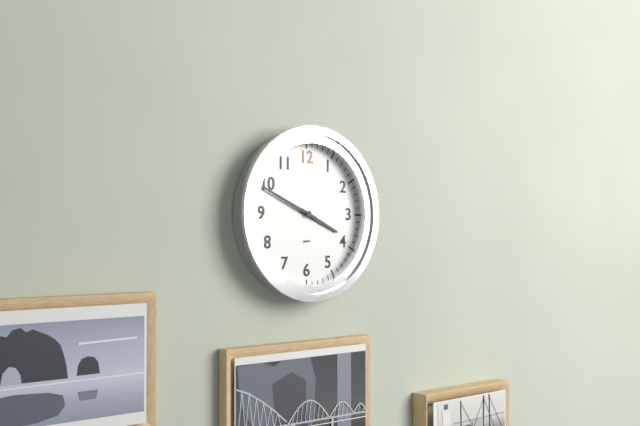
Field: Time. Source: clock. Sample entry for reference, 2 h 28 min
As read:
3 h 49 min
